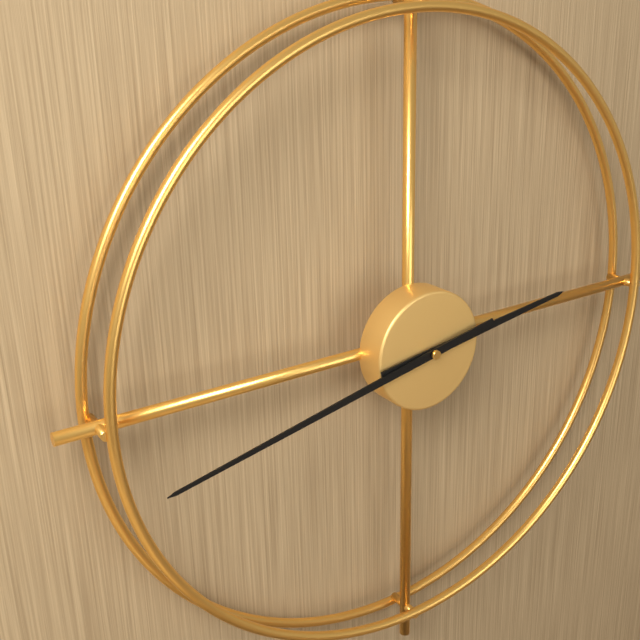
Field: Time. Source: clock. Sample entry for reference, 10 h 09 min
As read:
2 h 43 min
